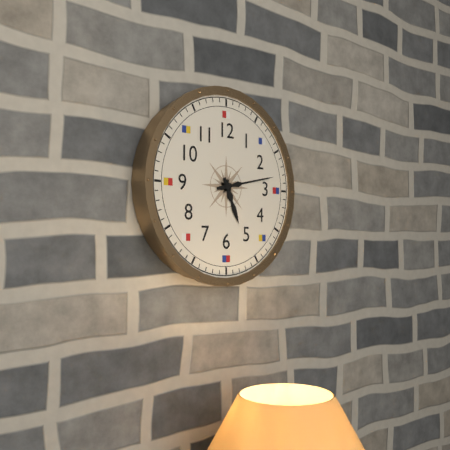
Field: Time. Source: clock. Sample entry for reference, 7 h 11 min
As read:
5 h 13 min
